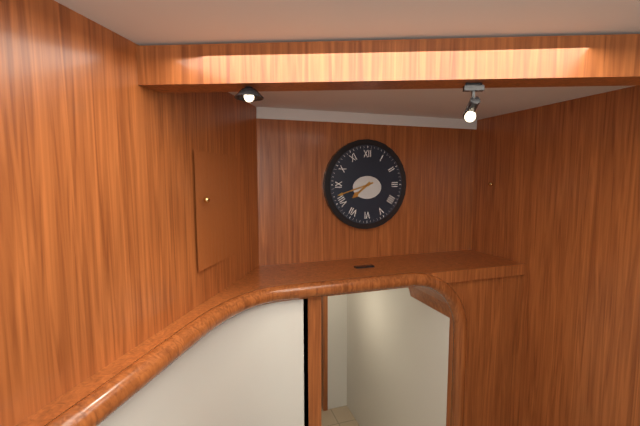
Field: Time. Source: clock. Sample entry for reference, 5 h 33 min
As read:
7 h 42 min
